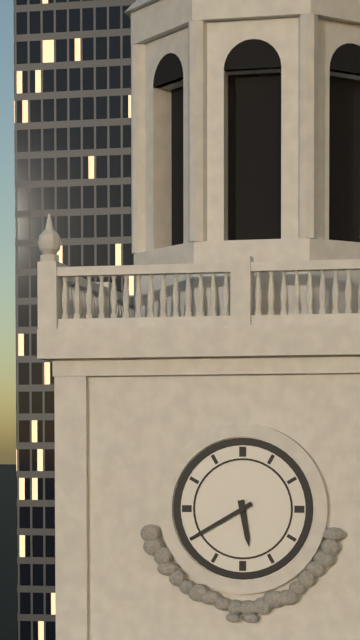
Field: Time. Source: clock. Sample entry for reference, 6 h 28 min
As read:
5 h 40 min
